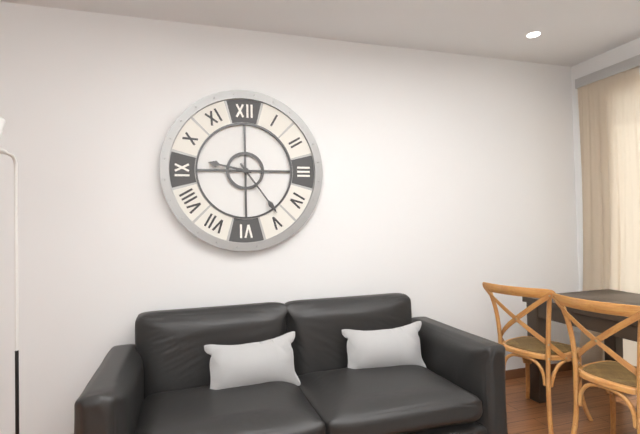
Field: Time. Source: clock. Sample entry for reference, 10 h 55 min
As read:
9 h 24 min
